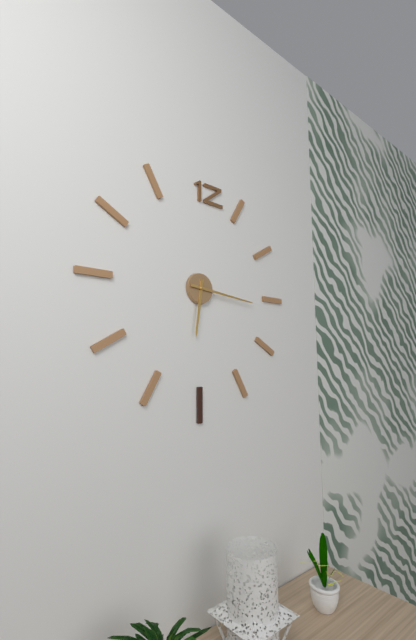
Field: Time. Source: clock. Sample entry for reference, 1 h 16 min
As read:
6 h 16 min
